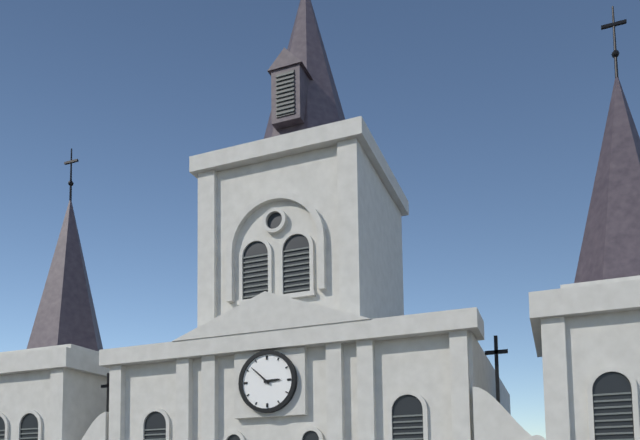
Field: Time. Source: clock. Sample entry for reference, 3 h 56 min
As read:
2 h 52 min
